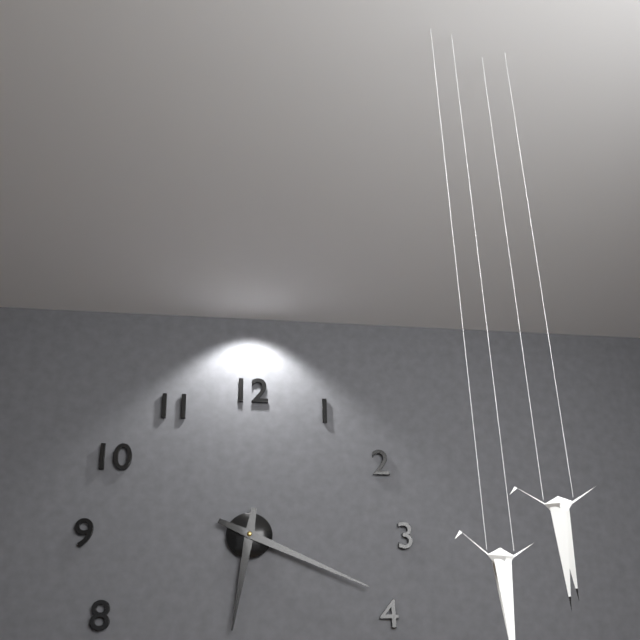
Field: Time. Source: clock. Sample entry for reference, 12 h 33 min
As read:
6 h 19 min
